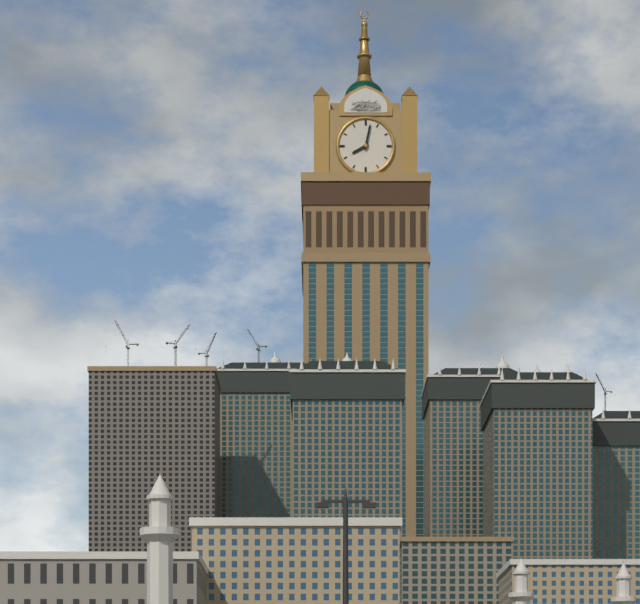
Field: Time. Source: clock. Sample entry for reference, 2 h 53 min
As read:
8 h 02 min
